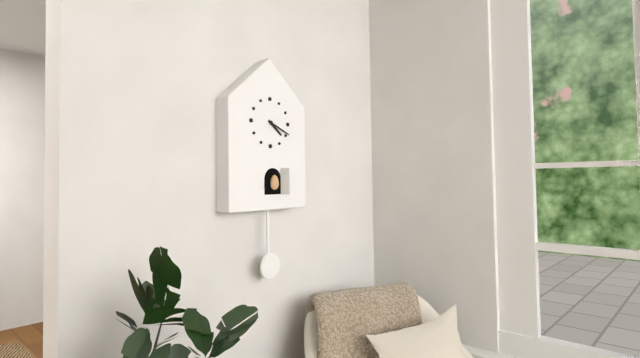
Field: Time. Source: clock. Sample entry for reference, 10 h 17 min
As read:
4 h 19 min
